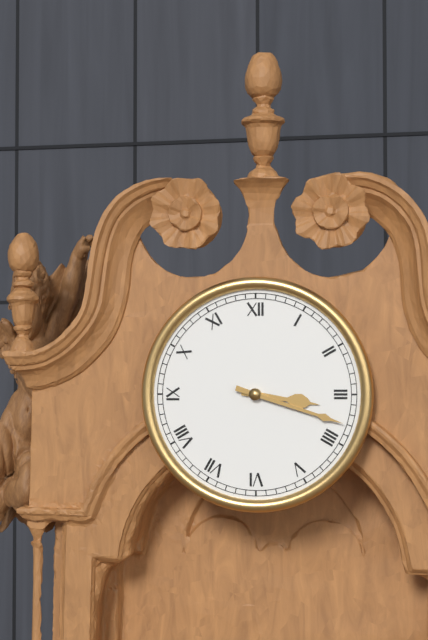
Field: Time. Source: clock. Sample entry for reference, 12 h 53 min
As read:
3 h 18 min
